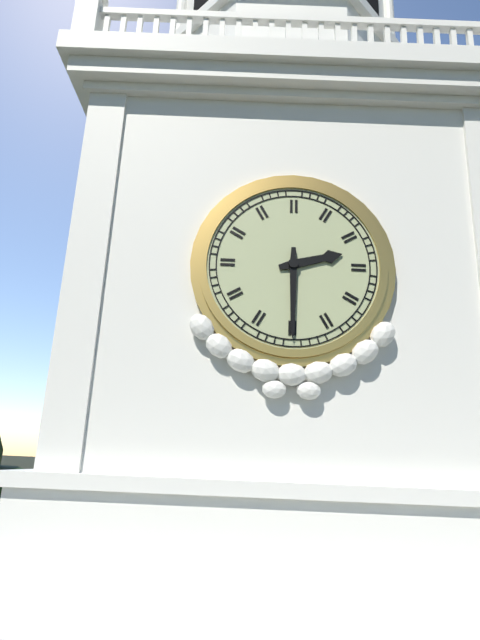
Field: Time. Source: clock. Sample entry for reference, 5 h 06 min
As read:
2 h 30 min
